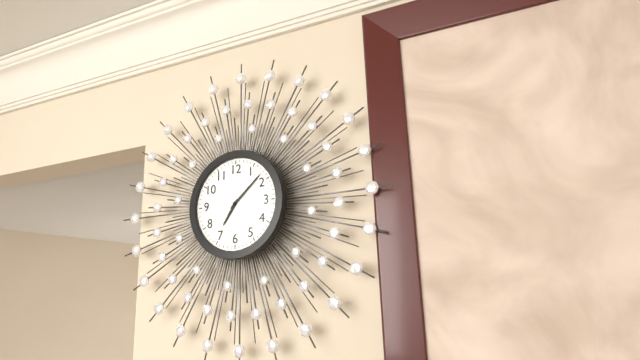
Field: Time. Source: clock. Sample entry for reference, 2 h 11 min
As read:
7 h 08 min
